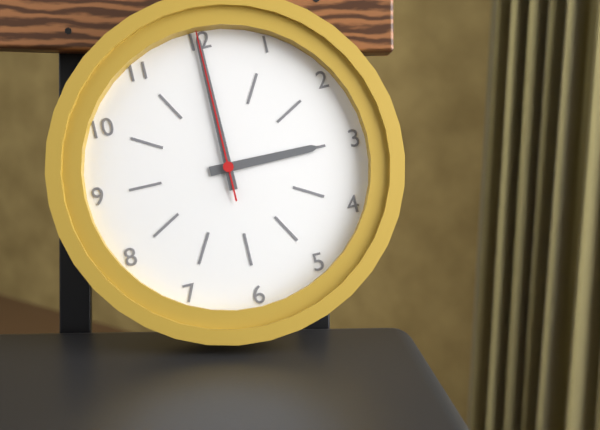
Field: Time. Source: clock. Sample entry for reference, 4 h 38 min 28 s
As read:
3 h 00 min 00 s
